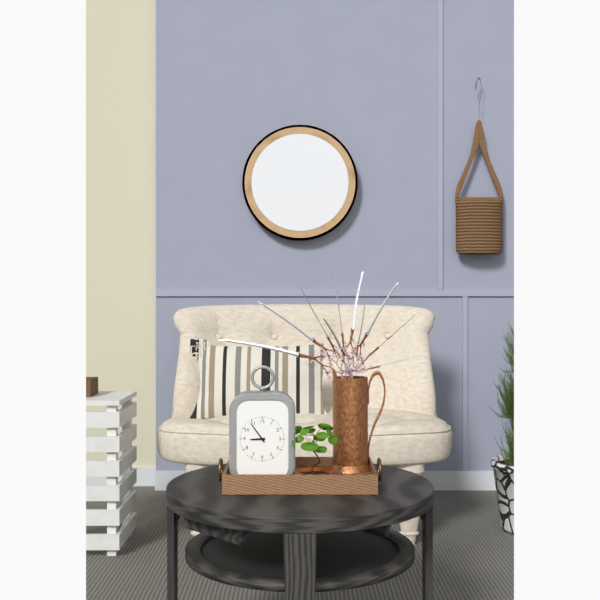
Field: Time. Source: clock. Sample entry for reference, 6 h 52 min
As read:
8 h 54 min
